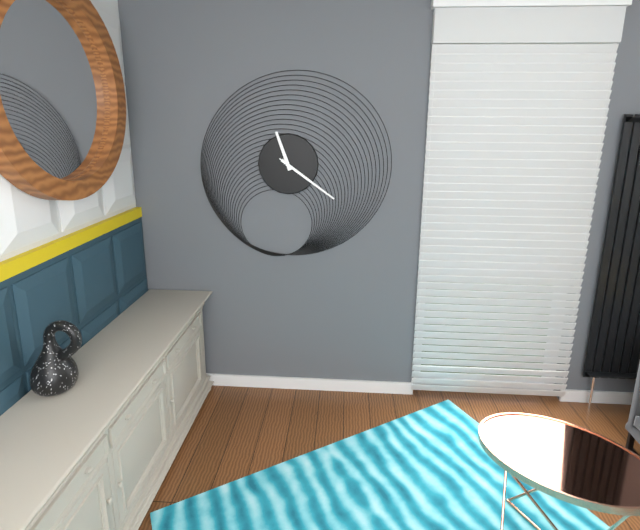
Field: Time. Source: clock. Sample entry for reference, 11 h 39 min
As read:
11 h 21 min
